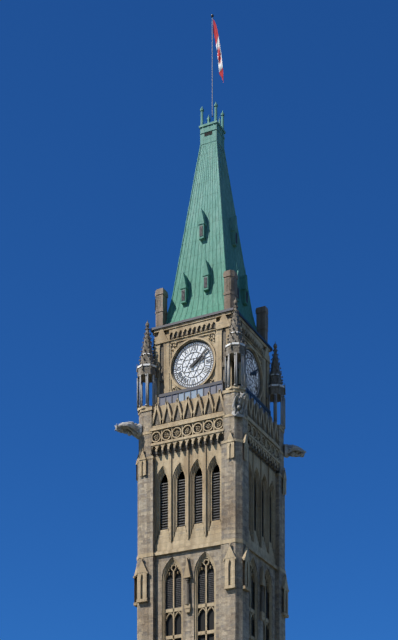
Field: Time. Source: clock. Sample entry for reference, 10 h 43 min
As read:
2 h 09 min
